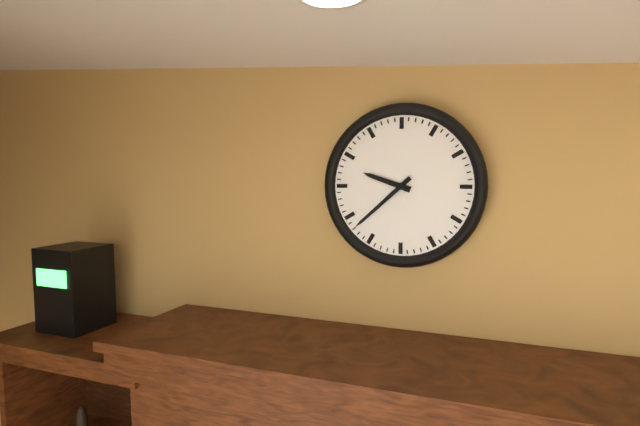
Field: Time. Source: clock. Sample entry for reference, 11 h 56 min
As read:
9 h 38 min
